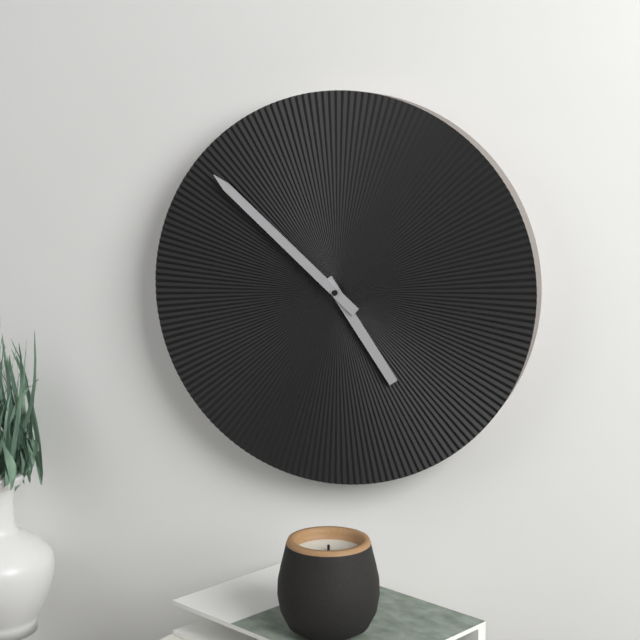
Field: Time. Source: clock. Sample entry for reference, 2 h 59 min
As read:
4 h 52 min
